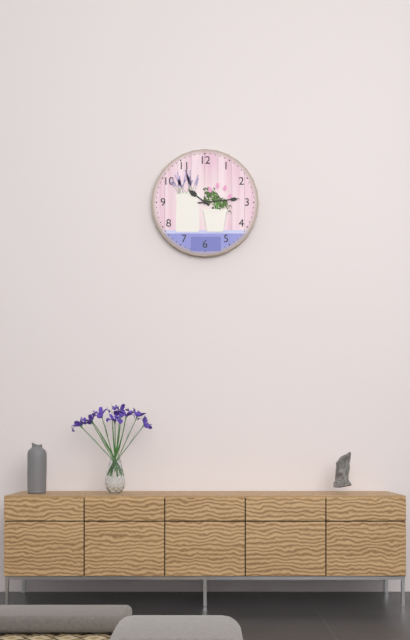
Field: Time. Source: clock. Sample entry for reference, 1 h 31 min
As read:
10 h 14 min
